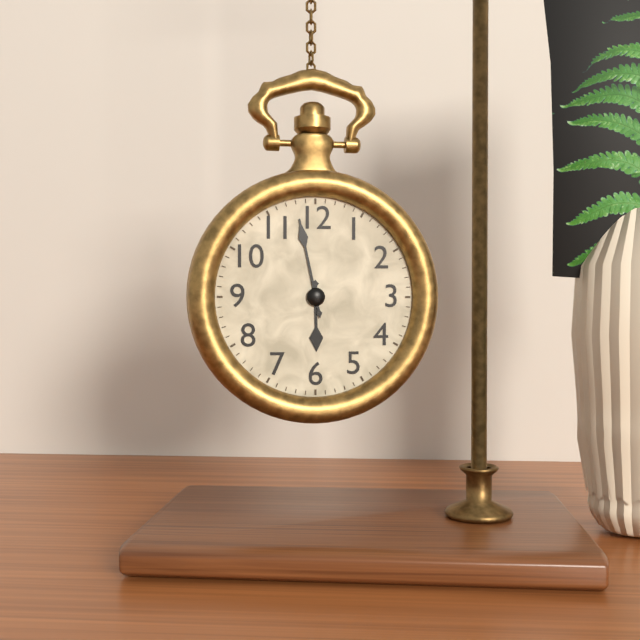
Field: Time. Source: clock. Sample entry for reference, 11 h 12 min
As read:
5 h 58 min
